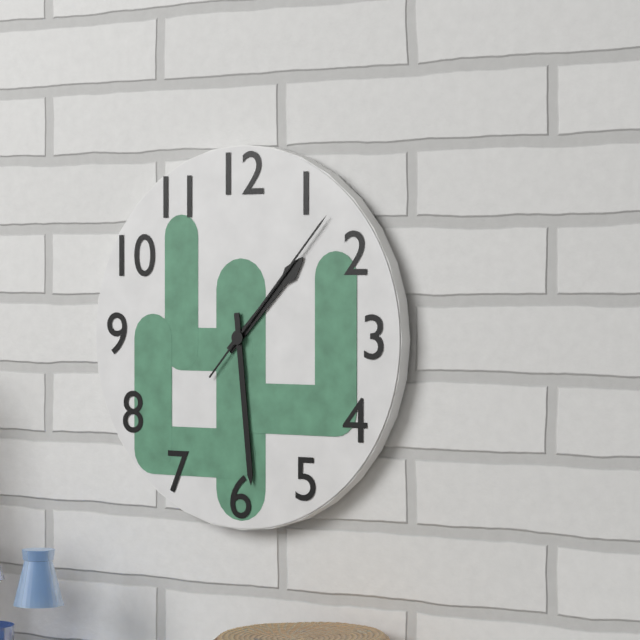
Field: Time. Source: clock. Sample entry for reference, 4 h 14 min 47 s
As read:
1 h 29 min 07 s
